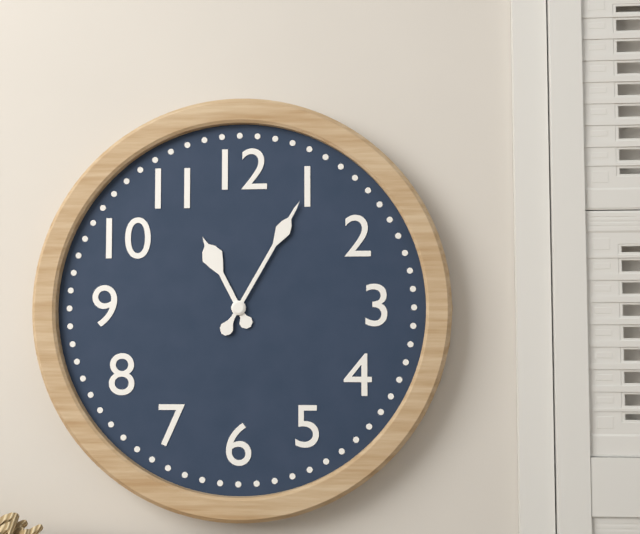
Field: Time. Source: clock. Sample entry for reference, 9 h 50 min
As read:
11 h 05 min
